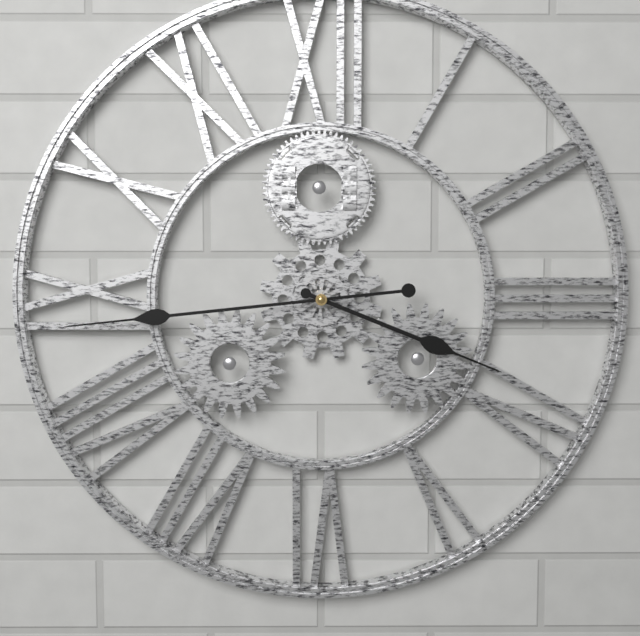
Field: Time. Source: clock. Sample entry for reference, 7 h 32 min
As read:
3 h 44 min
